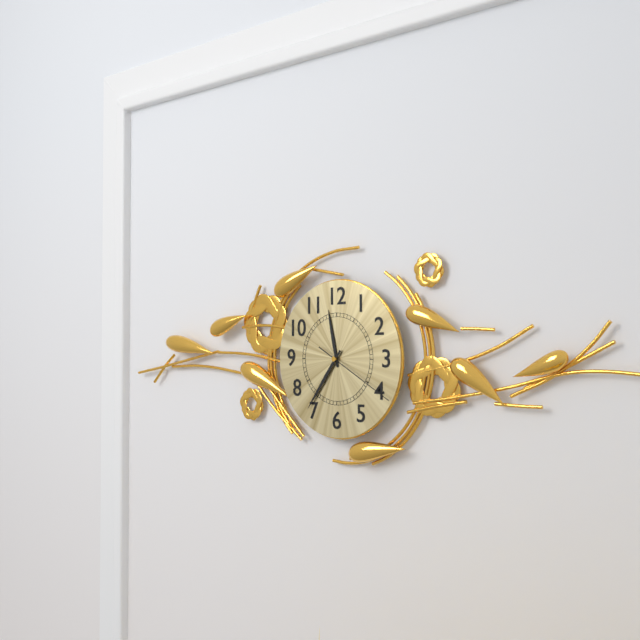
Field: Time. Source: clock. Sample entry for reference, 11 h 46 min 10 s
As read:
11 h 36 min 20 s
